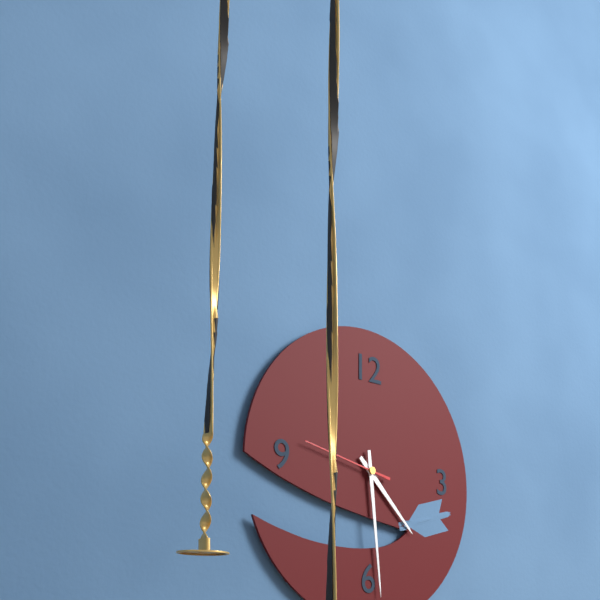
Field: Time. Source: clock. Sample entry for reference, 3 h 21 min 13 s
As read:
4 h 29 min 47 s
